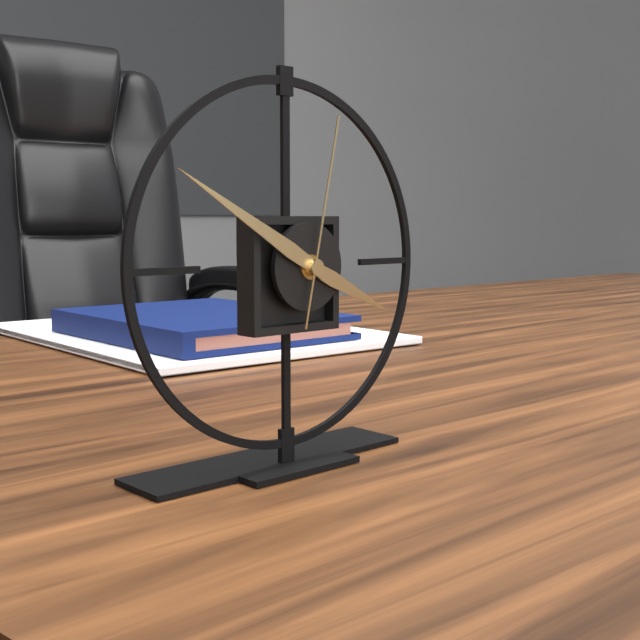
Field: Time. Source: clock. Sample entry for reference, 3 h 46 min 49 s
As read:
3 h 50 min 02 s
